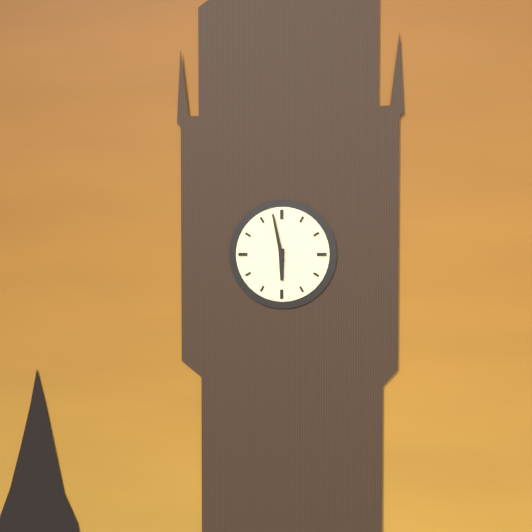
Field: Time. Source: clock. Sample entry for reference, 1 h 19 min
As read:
5 h 58 min
